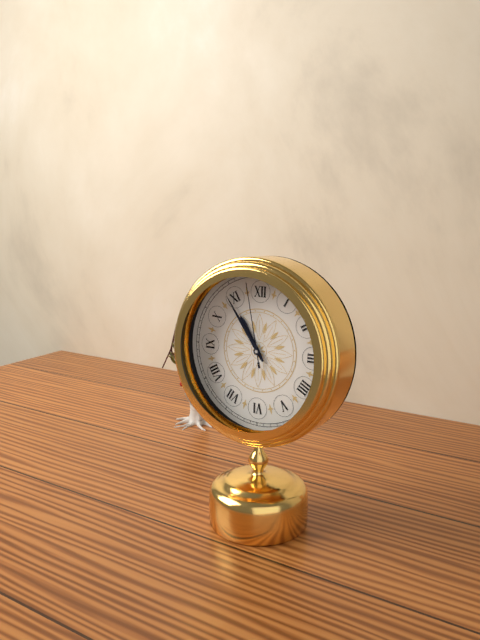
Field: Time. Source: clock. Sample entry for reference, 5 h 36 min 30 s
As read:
10 h 54 min 58 s
